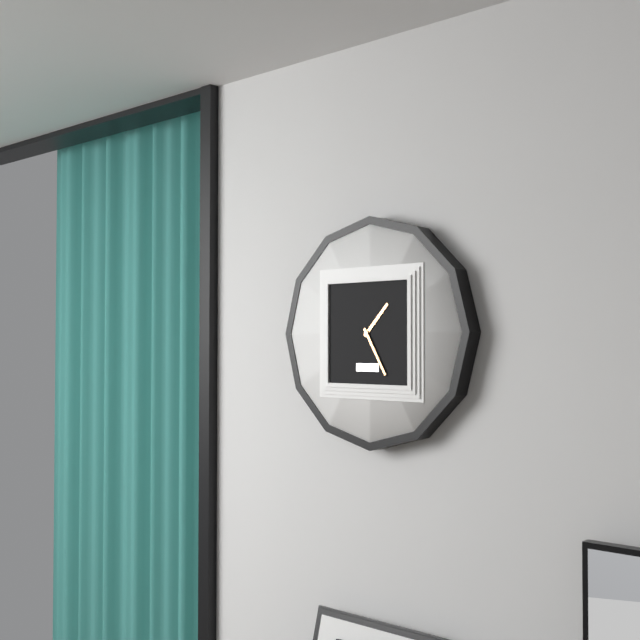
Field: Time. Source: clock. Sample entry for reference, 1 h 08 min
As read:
1 h 25 min
